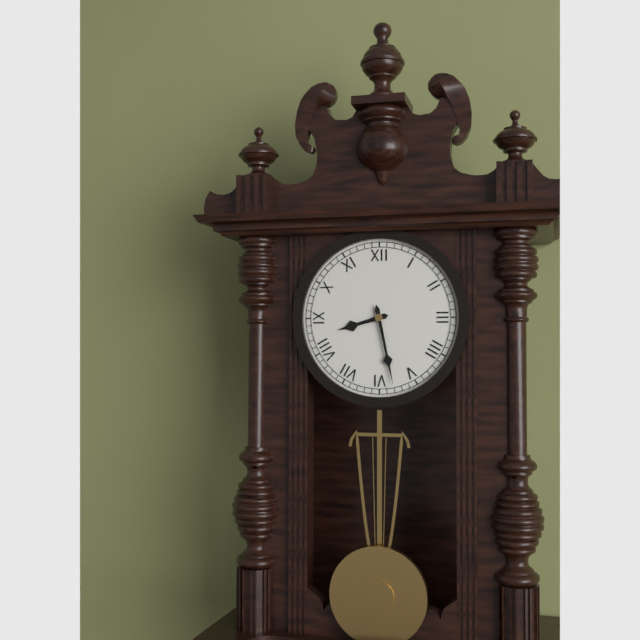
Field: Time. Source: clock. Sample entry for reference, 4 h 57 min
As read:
8 h 28 min
